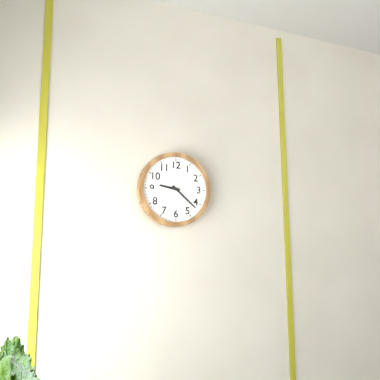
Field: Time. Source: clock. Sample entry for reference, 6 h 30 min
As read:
9 h 22 min
